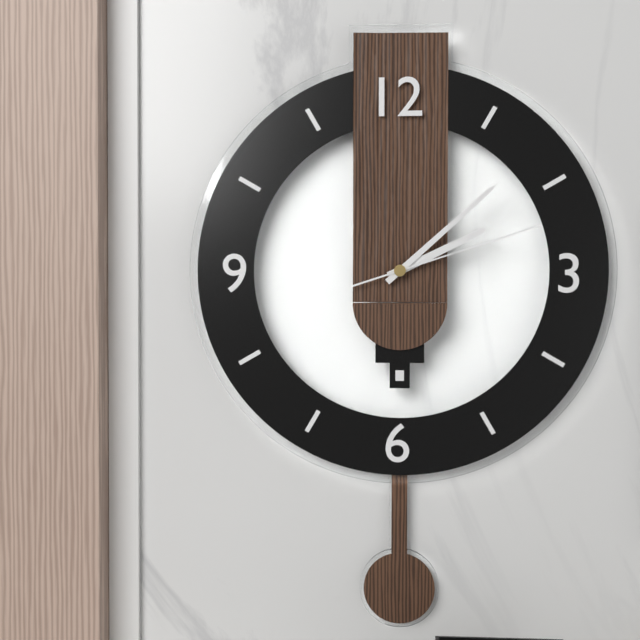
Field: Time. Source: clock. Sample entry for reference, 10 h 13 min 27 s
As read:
2 h 08 min 12 s
